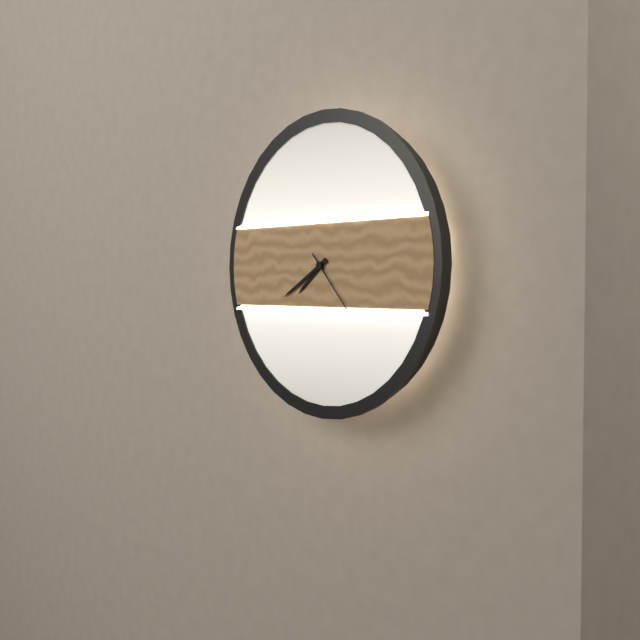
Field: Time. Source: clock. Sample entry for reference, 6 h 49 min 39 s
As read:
7 h 40 min 23 s
